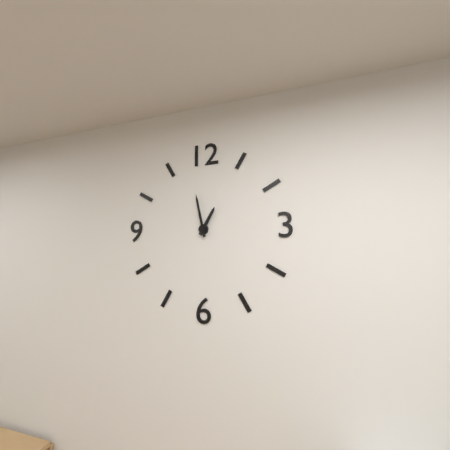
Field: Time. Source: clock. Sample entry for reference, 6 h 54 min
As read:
12 h 58 min
